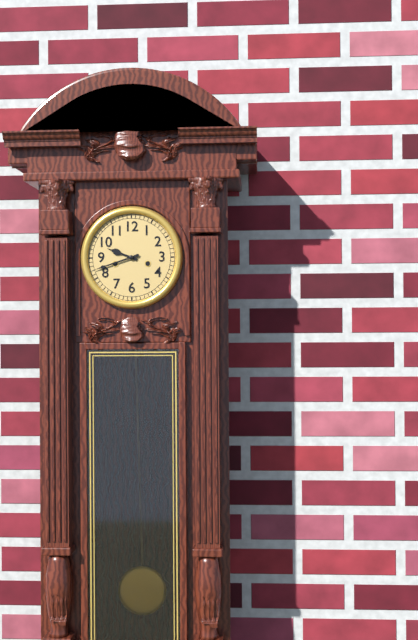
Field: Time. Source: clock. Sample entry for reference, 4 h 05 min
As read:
9 h 42 min
